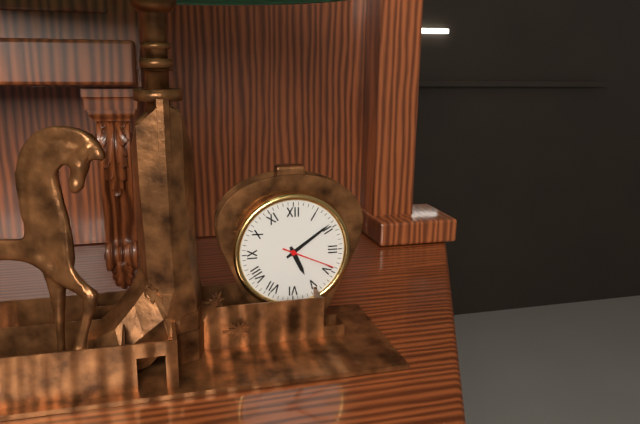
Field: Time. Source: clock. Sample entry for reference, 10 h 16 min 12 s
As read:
5 h 09 min 19 s
